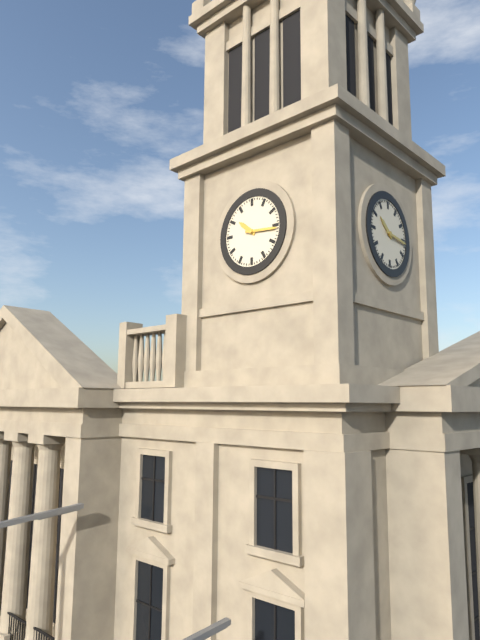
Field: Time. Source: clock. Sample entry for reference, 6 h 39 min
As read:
10 h 16 min
